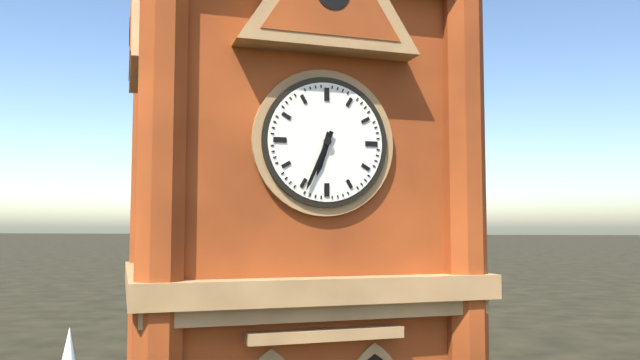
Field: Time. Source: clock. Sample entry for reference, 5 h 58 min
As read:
6 h 34 min
